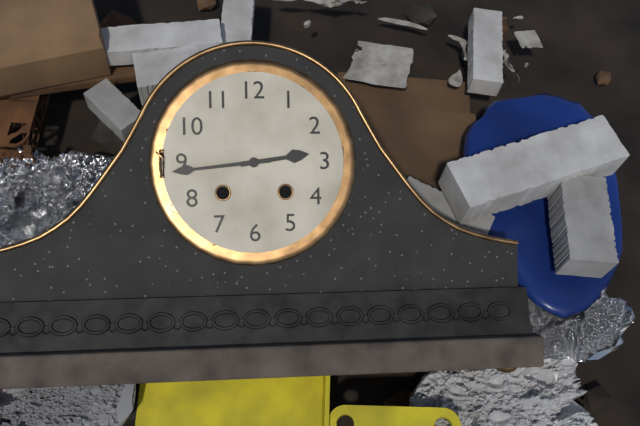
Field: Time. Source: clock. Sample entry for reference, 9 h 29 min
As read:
2 h 44 min
